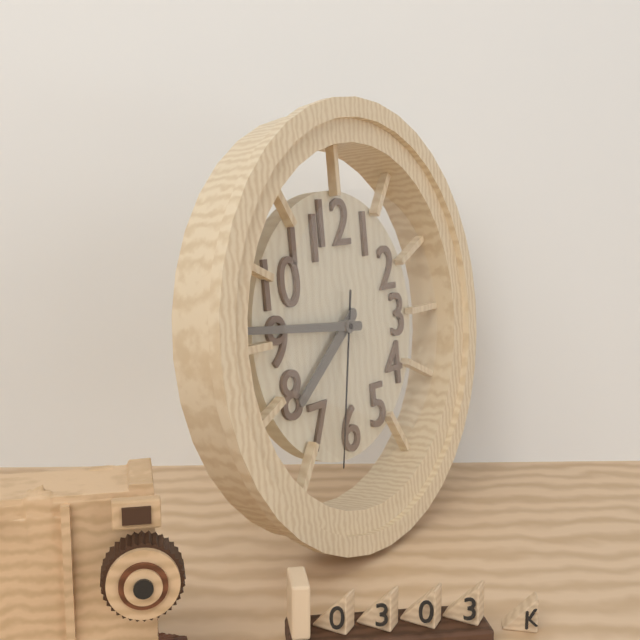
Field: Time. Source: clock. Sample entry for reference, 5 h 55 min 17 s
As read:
7 h 46 min 32 s
